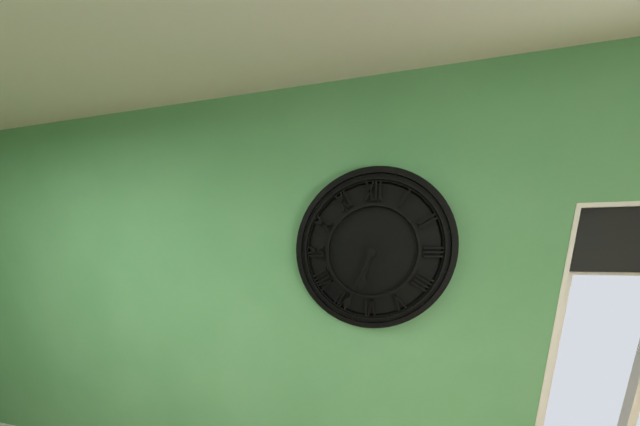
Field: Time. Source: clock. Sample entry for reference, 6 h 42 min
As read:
6 h 34 min
